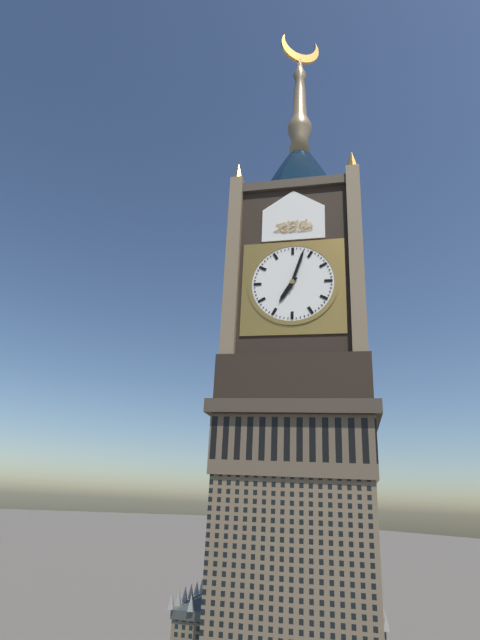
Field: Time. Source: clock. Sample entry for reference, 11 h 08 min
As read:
7 h 03 min
